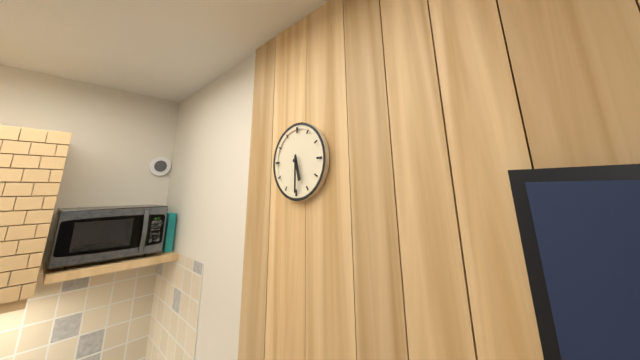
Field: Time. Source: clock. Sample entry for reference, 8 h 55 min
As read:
5 h 30 min
